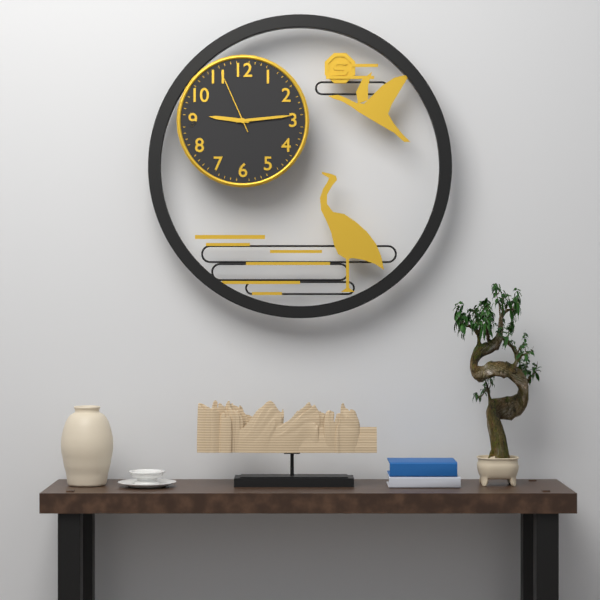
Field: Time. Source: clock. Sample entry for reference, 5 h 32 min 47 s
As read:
9 h 14 min 56 s
